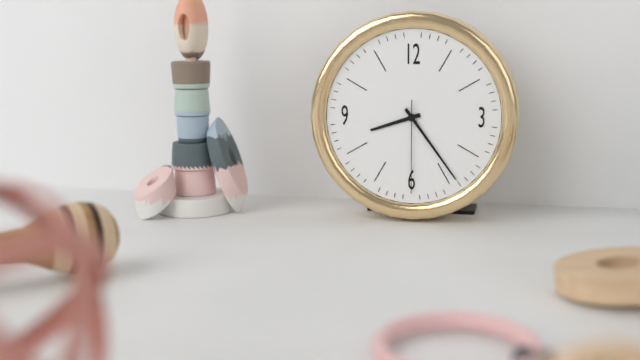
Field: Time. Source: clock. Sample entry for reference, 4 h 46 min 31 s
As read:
8 h 24 min 30 s
